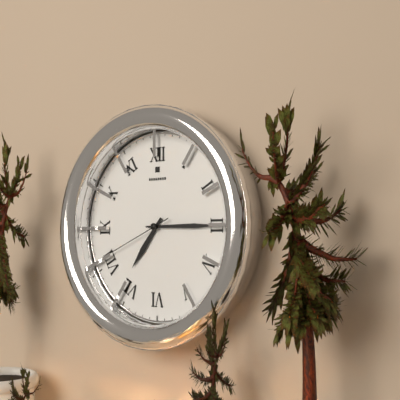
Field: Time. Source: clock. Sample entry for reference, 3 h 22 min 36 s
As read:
7 h 15 min 41 s
